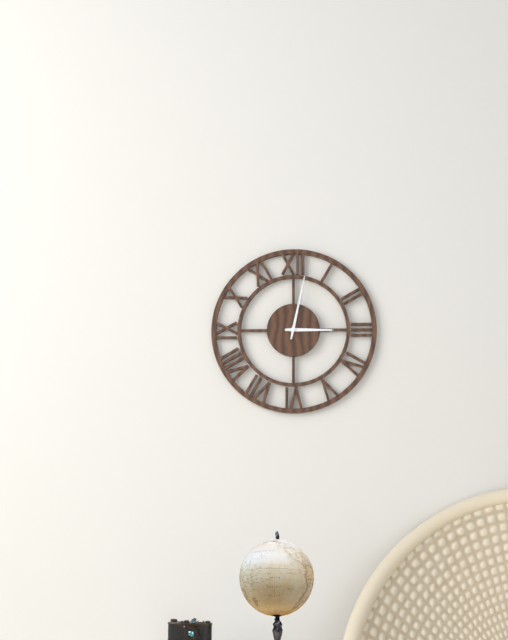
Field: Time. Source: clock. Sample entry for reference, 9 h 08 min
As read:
3 h 02 min
